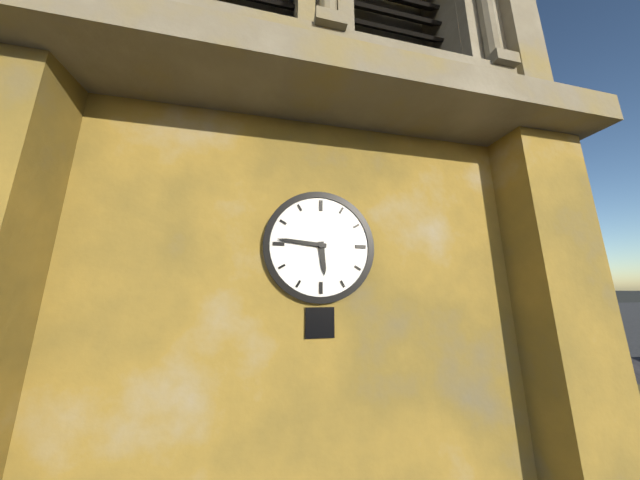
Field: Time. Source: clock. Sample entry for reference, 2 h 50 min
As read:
5 h 46 min
